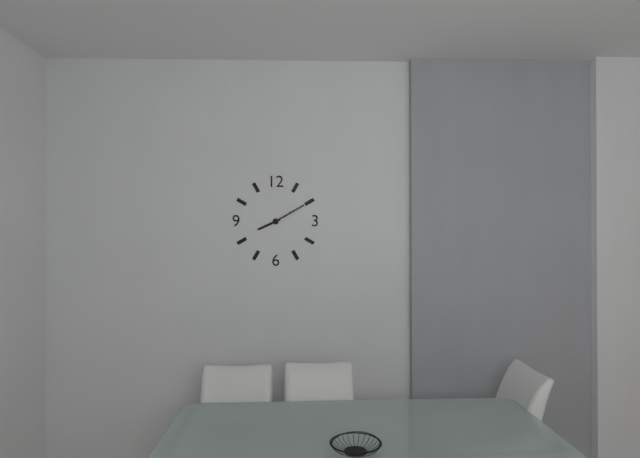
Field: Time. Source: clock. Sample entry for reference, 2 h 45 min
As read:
8 h 10 min
